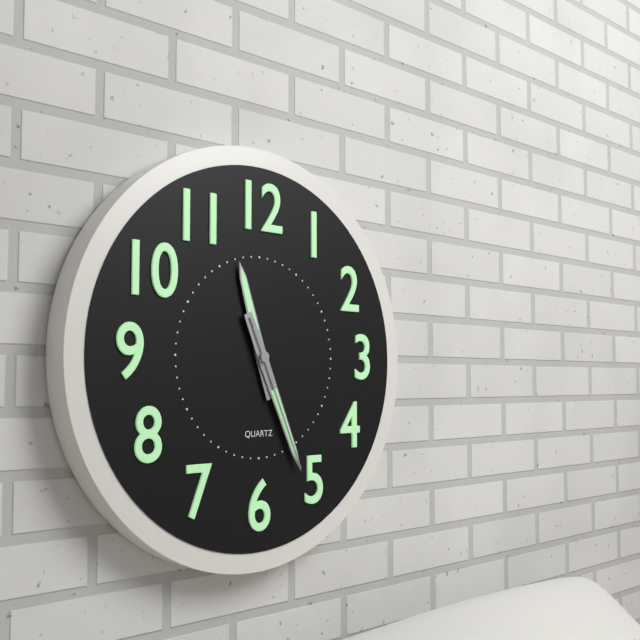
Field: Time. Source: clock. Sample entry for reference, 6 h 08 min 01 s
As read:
11 h 26 min 26 s
